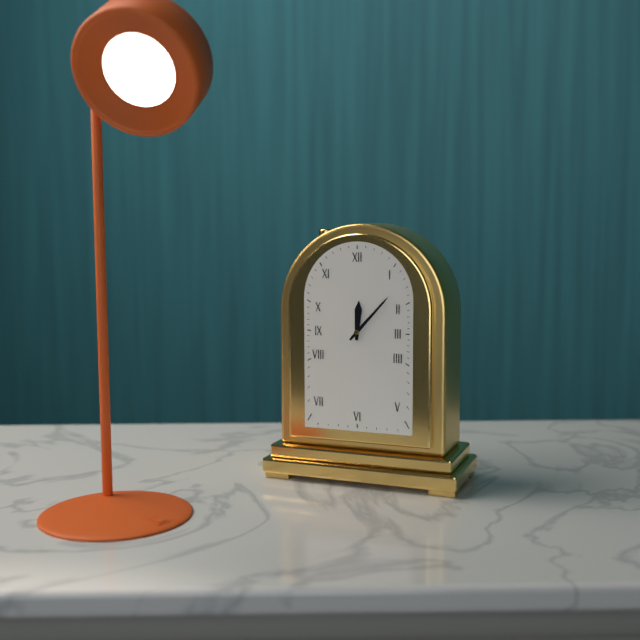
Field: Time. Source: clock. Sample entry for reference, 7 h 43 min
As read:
12 h 07 min
